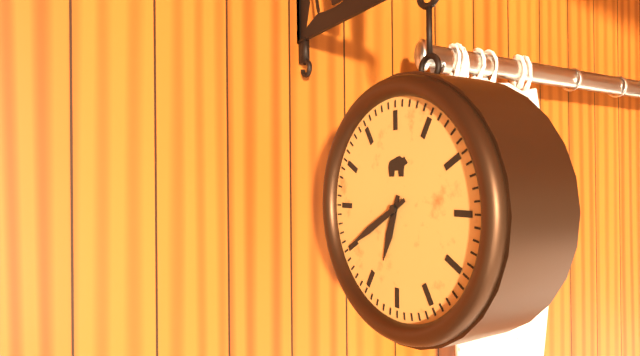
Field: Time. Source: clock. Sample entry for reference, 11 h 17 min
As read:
6 h 40 min
